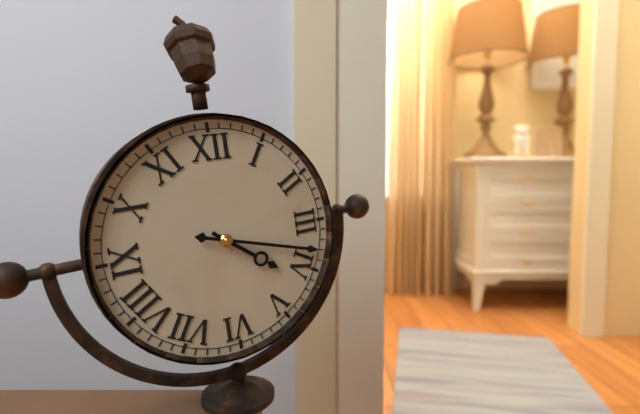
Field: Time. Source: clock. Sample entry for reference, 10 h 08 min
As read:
4 h 18 min
